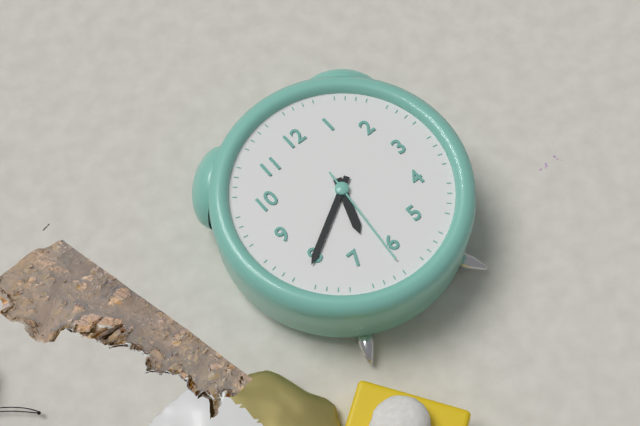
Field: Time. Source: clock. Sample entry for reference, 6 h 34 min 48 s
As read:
6 h 40 min 31 s
